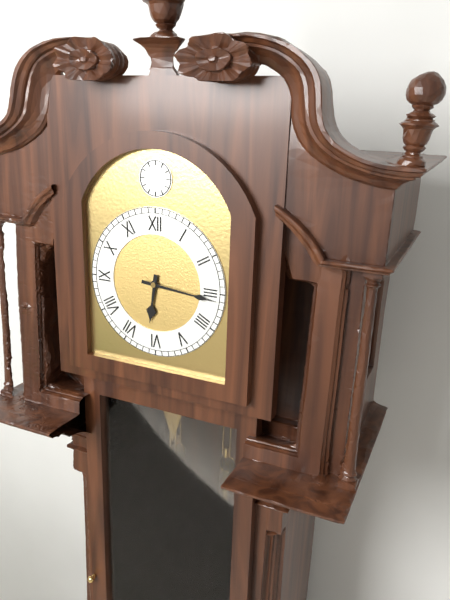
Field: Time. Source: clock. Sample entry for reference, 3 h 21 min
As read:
6 h 16 min
